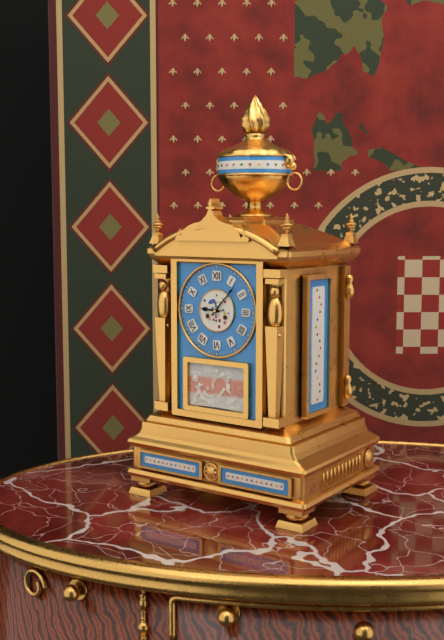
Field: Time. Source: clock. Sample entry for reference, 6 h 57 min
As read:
9 h 07 min
